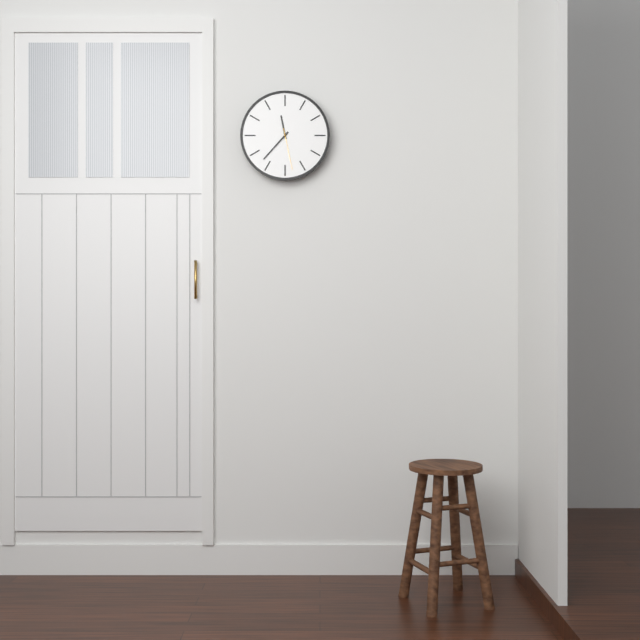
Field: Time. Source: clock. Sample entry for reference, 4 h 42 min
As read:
11 h 37 min
